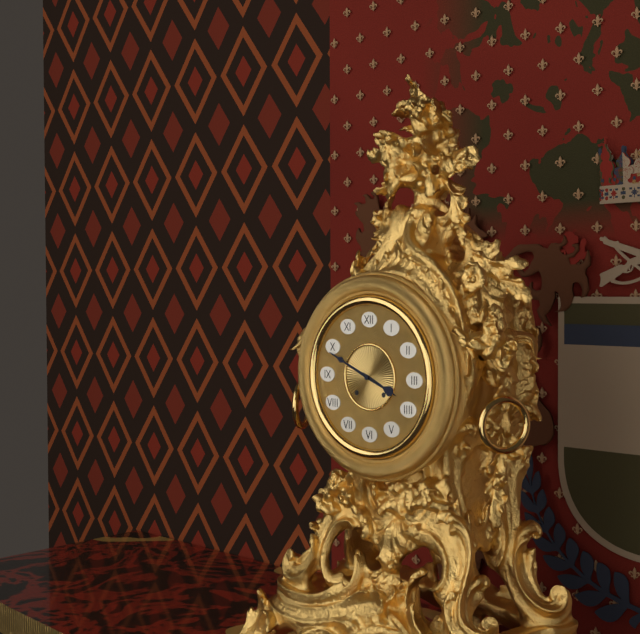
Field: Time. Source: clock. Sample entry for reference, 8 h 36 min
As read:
3 h 49 min
